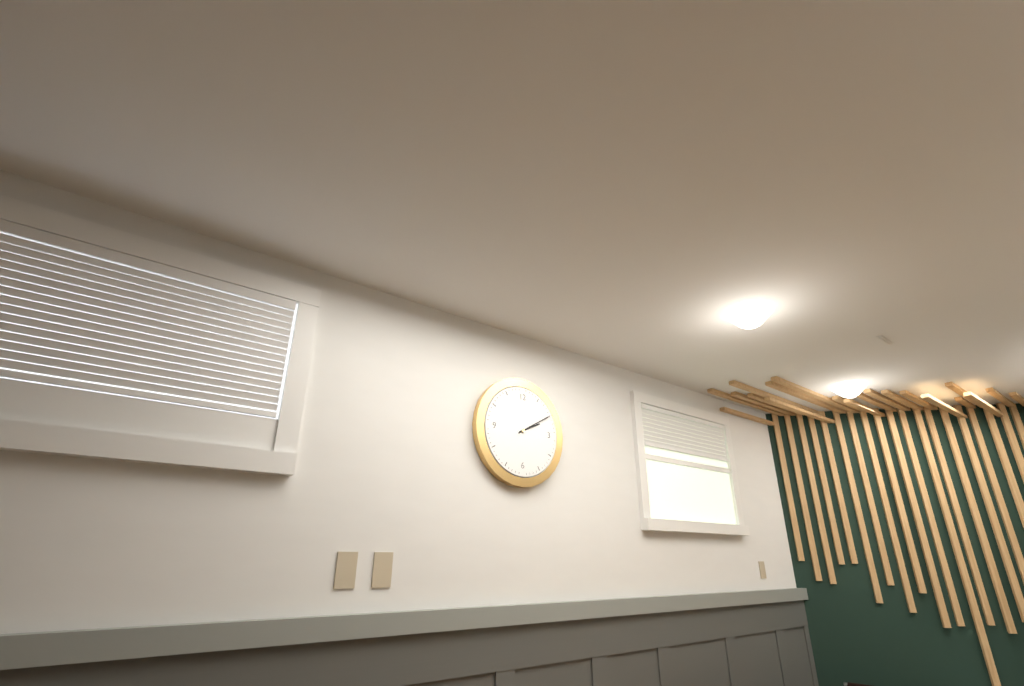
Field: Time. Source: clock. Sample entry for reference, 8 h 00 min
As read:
2 h 10 min
